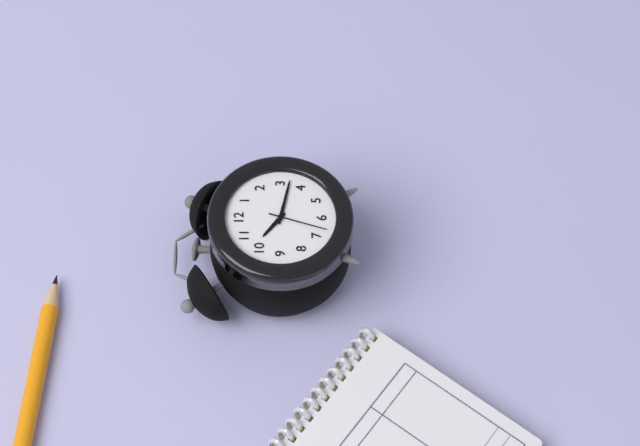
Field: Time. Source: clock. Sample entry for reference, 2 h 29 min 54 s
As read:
10 h 17 min 33 s
